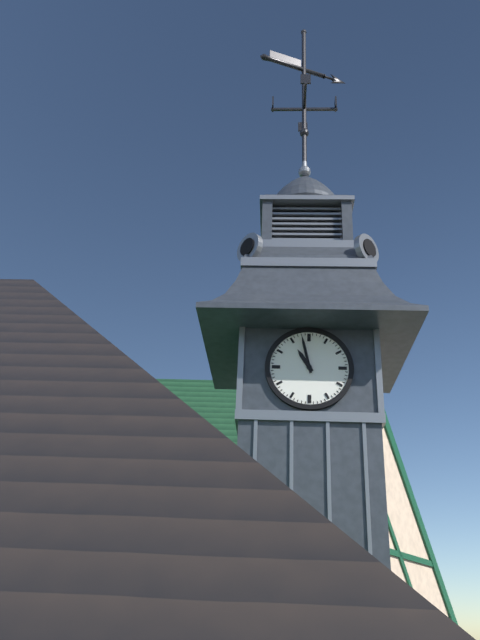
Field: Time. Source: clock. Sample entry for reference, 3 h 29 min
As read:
10 h 58 min
